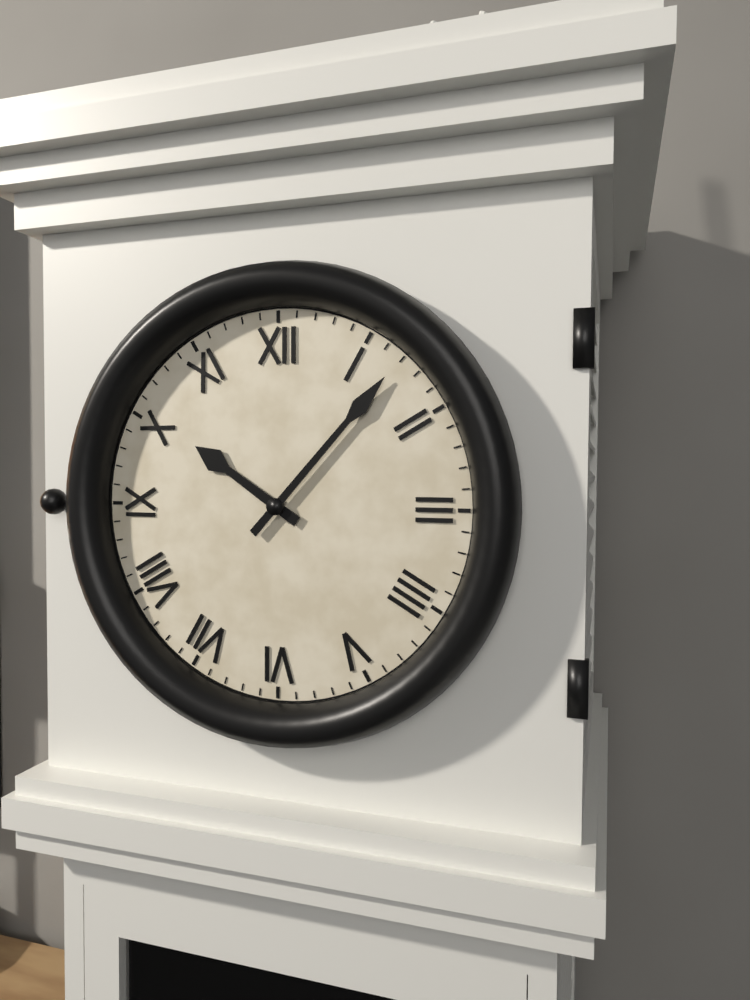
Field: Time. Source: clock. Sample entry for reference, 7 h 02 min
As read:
10 h 07 min
